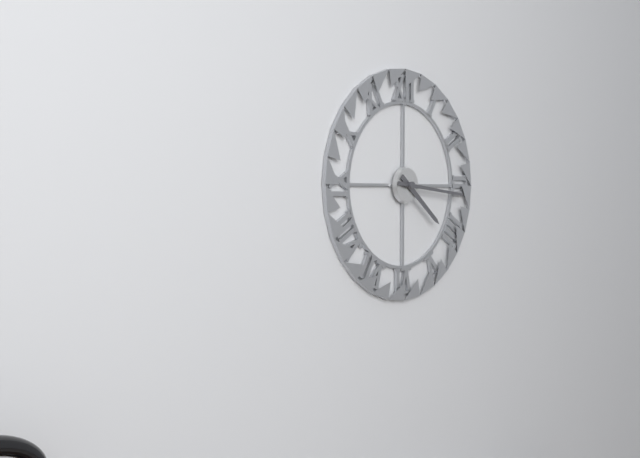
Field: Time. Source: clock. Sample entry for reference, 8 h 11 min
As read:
4 h 16 min
